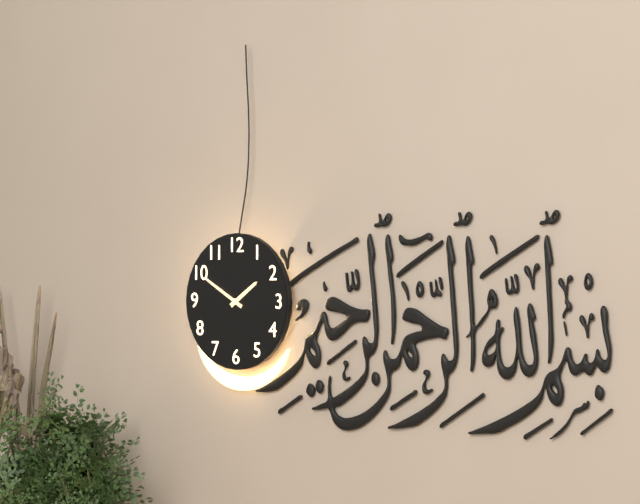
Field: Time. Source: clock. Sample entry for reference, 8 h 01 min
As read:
1 h 50 min
